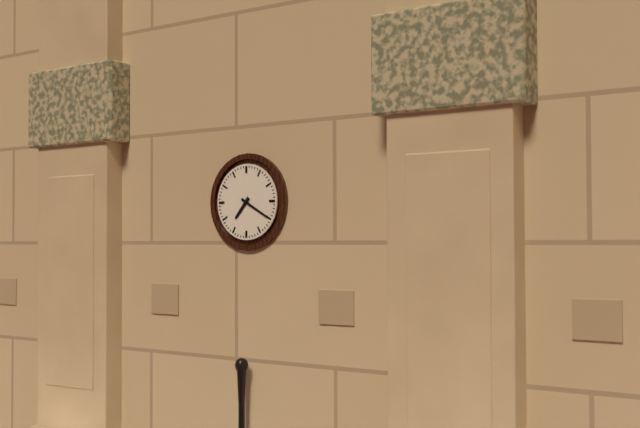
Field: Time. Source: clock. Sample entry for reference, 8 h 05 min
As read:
7 h 20 min
